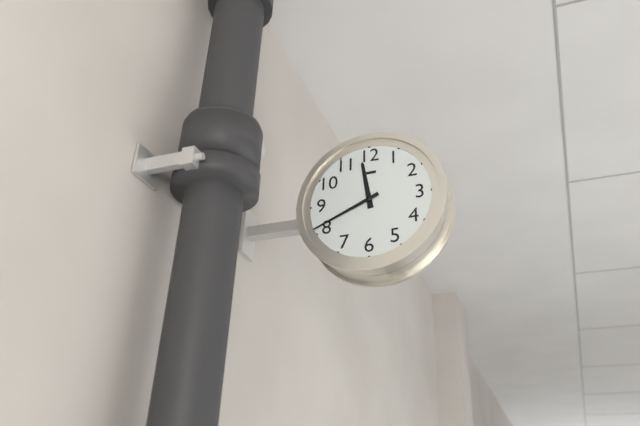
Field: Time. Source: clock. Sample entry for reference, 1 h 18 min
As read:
11 h 41 min
